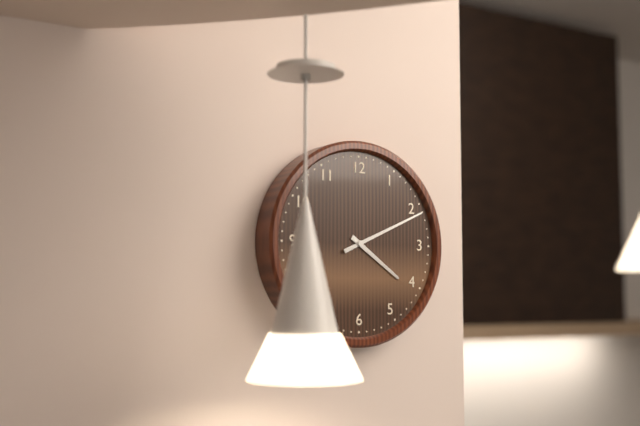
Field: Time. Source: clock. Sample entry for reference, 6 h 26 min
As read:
4 h 11 min
